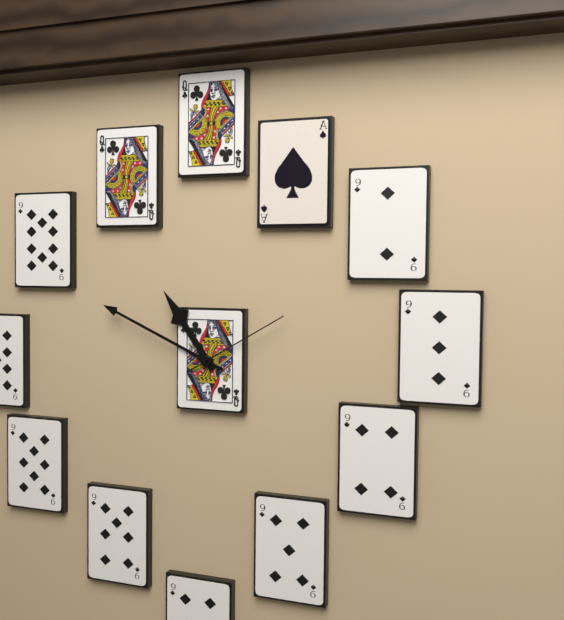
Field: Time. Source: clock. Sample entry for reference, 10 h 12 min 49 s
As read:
10 h 49 min 10 s
